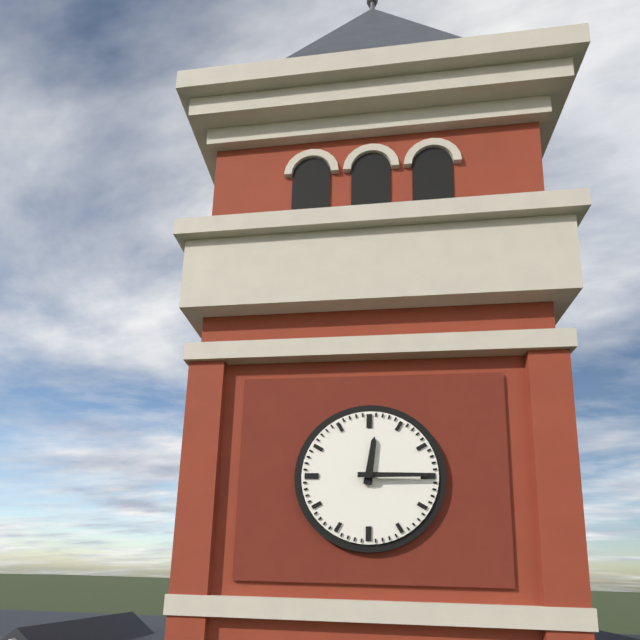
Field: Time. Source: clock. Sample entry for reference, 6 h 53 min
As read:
12 h 15 min
